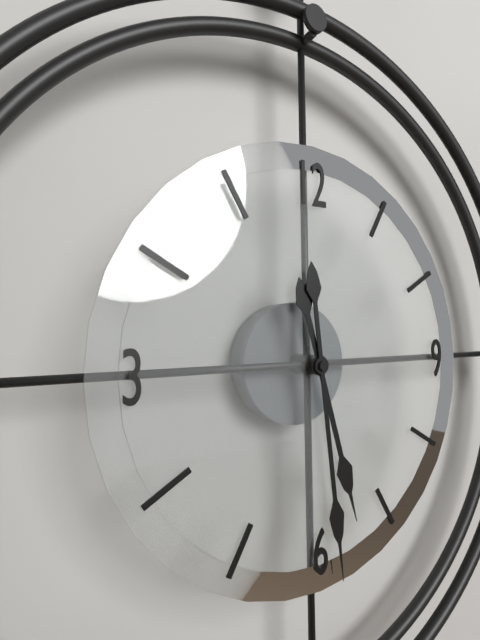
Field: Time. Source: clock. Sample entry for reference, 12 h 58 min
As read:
5 h 29 min
